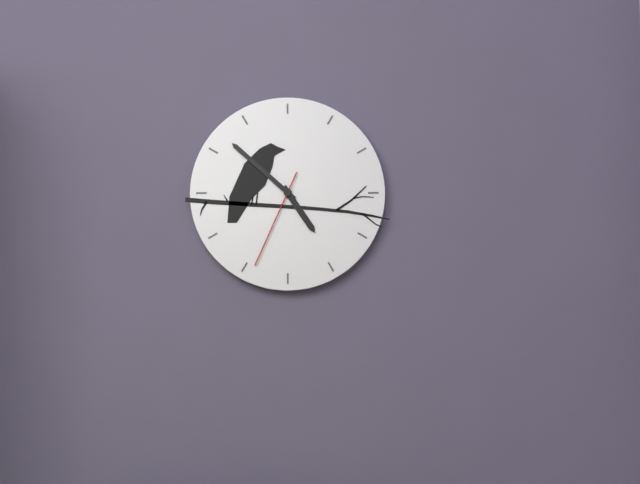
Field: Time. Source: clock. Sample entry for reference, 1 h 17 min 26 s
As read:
4 h 52 min 34 s
